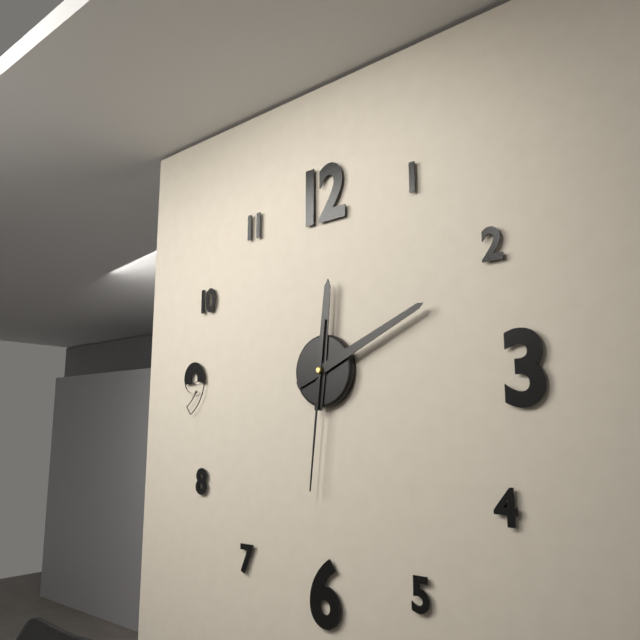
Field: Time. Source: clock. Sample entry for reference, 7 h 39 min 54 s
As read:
12 h 11 min 31 s
